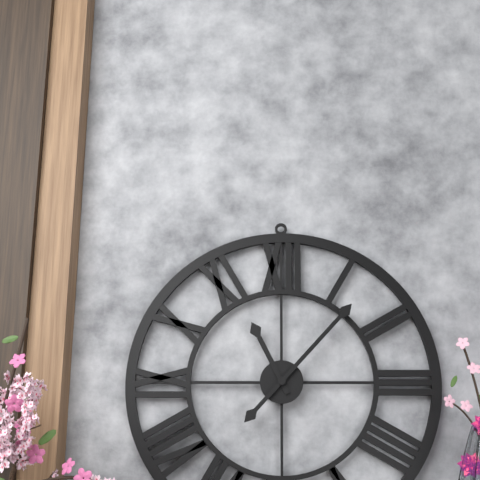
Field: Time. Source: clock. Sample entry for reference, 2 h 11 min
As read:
11 h 07 min
